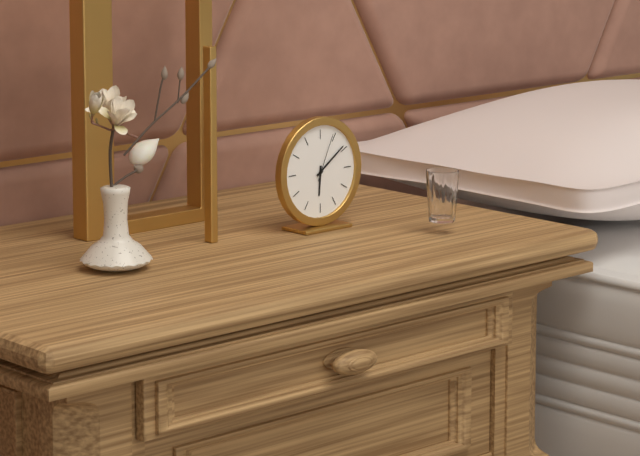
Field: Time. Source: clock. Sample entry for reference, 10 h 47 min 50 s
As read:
6 h 09 min 04 s
